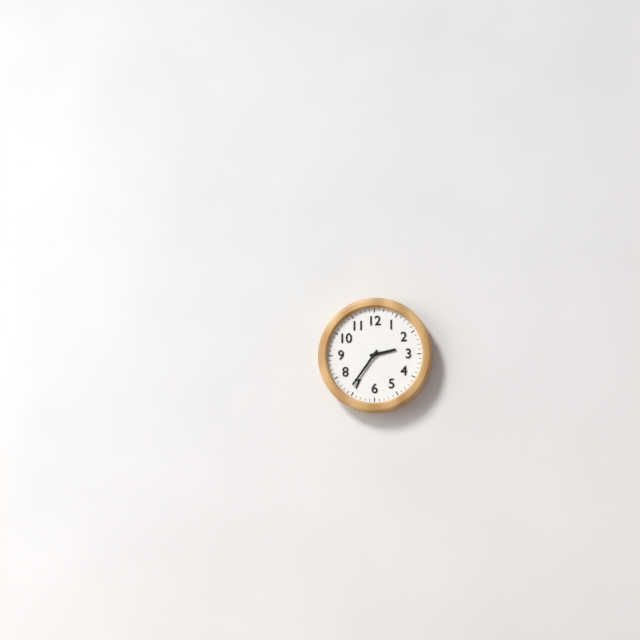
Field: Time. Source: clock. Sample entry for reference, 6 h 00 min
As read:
2 h 36 min
